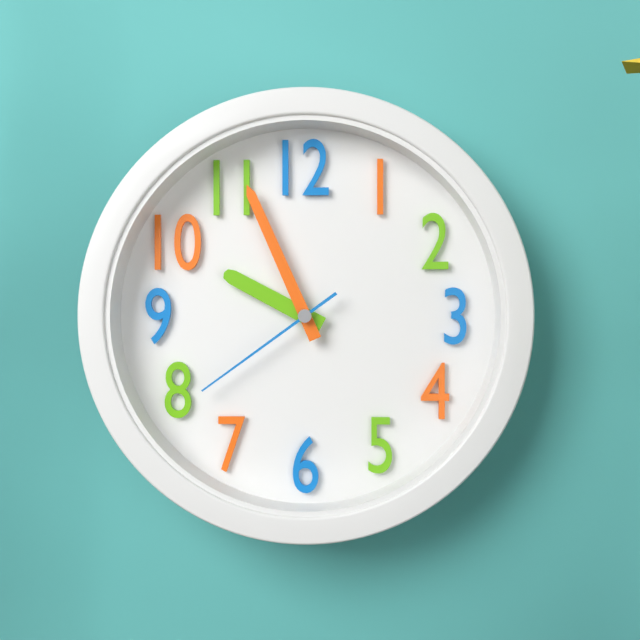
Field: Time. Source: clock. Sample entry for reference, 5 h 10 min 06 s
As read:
9 h 56 min 39 s
